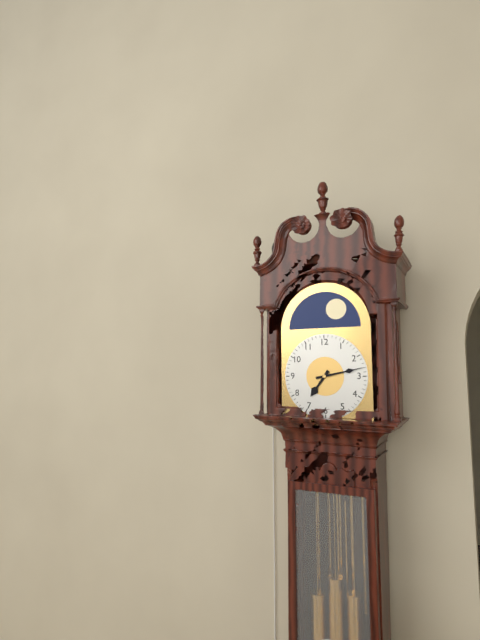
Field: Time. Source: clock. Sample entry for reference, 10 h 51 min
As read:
7 h 13 min
